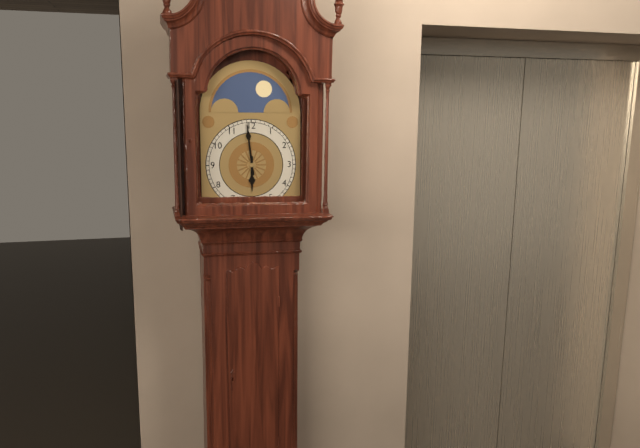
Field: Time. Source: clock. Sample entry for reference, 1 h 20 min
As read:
5 h 59 min
